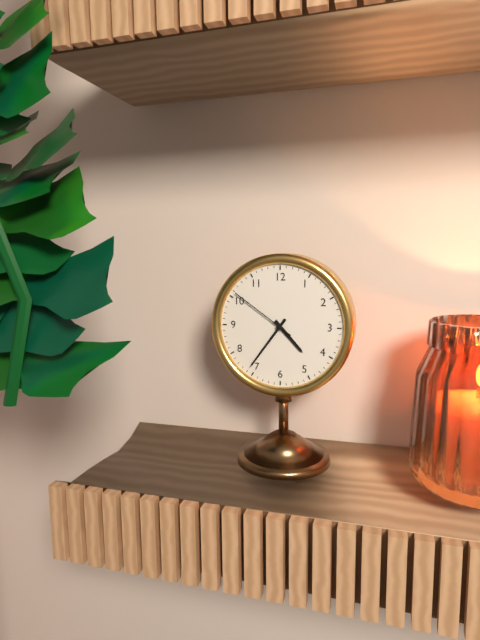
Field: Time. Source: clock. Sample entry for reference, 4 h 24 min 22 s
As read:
4 h 36 min 51 s
